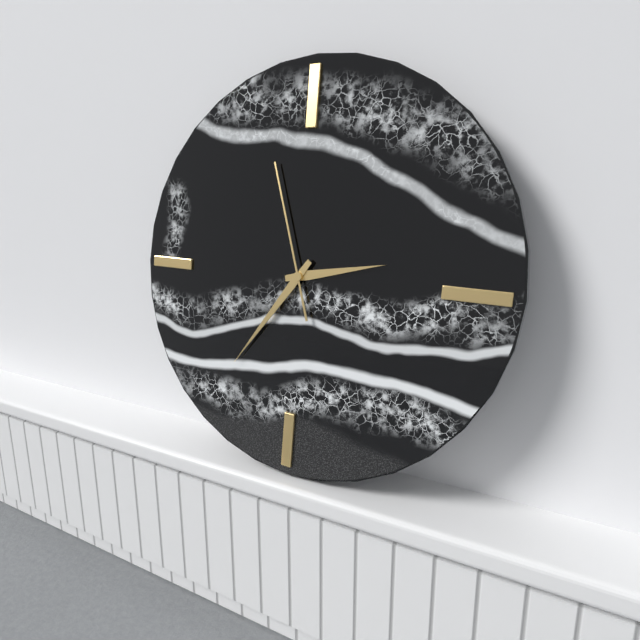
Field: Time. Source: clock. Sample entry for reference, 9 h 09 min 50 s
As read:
2 h 36 min 57 s
